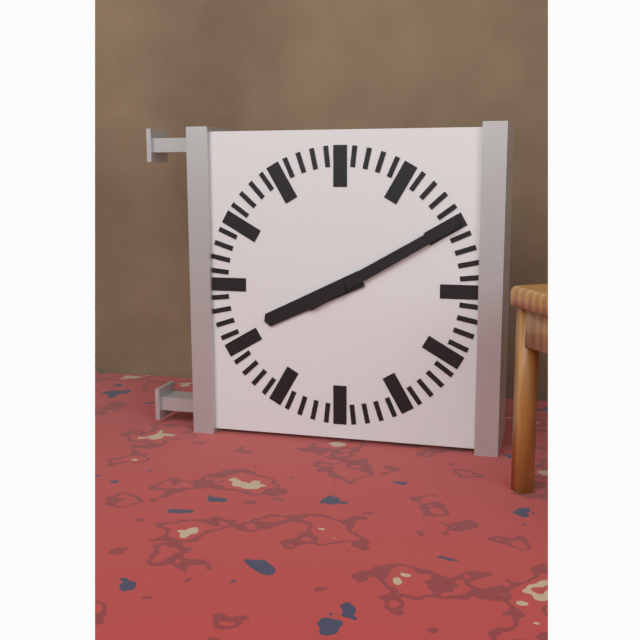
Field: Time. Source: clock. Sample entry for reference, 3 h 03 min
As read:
8 h 10 min
